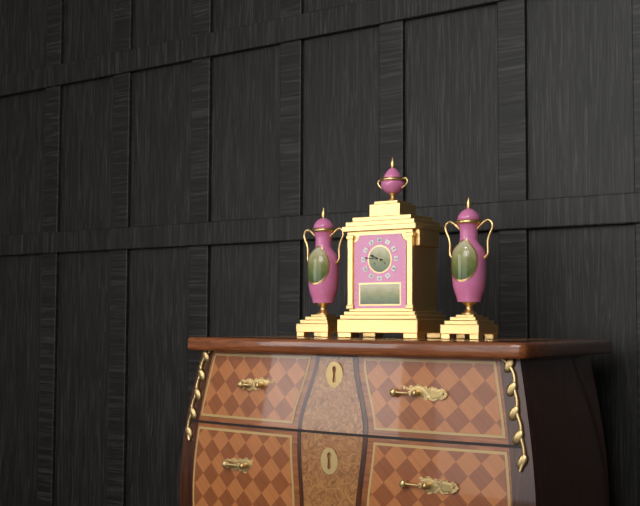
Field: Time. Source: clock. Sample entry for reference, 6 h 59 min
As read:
9 h 46 min
